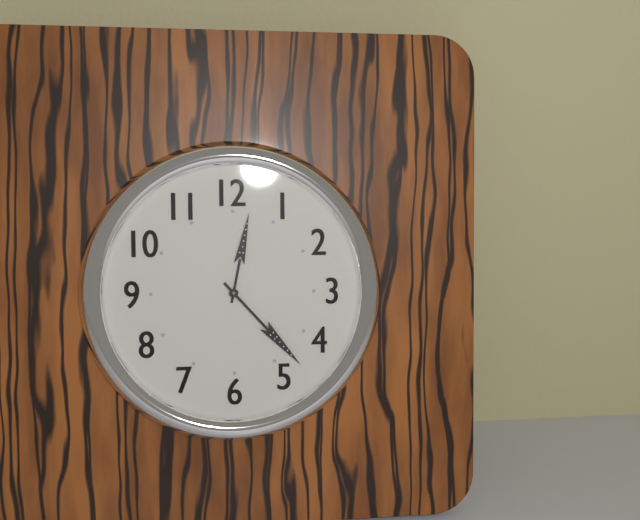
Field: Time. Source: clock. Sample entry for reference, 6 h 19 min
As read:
12 h 23 min
